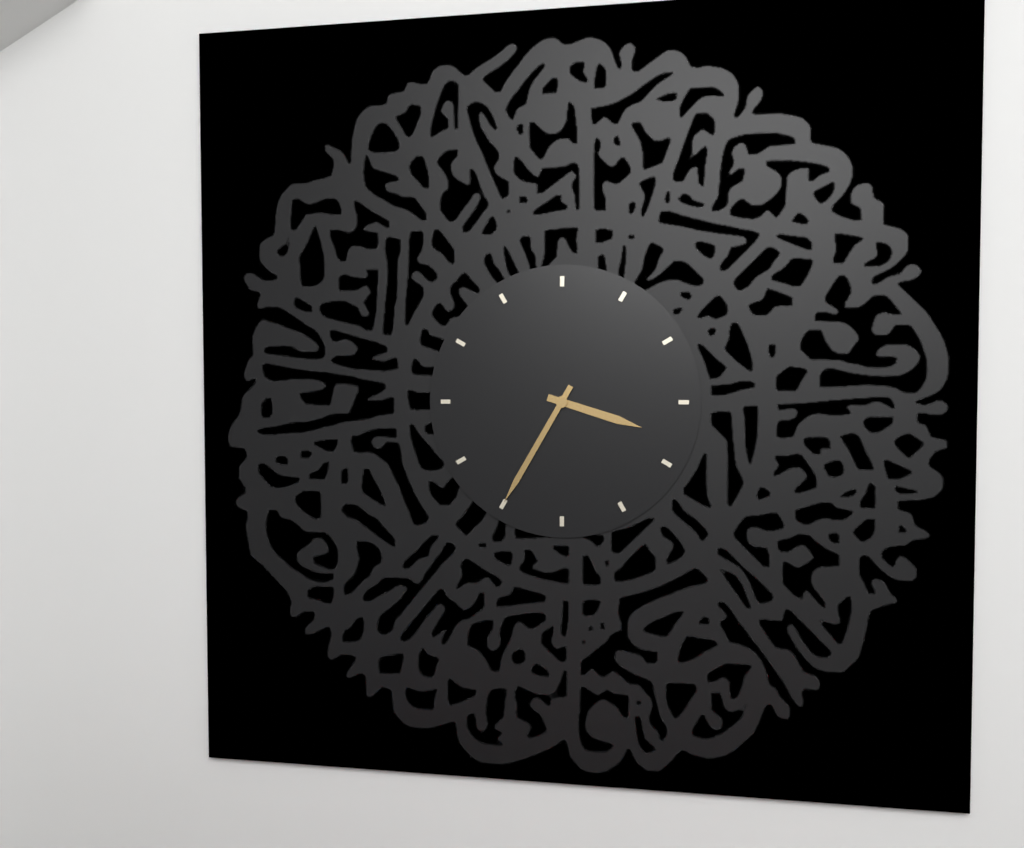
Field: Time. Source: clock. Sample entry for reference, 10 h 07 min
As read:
3 h 35 min
